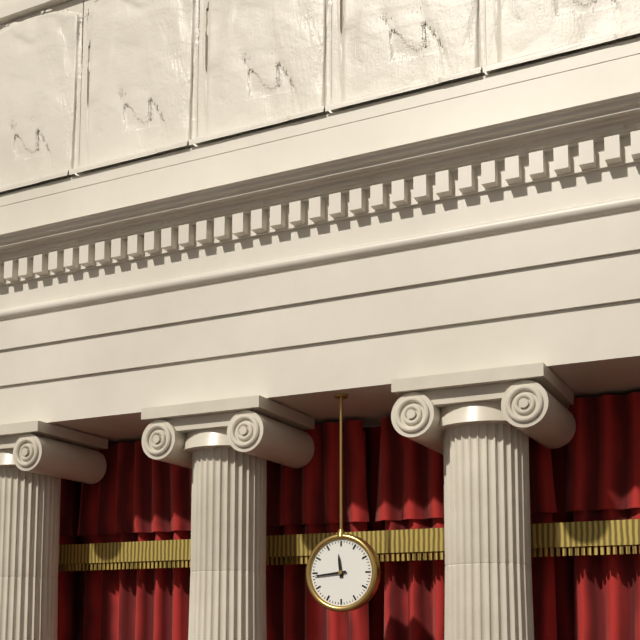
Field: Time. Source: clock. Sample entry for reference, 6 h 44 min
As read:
11 h 44 min
